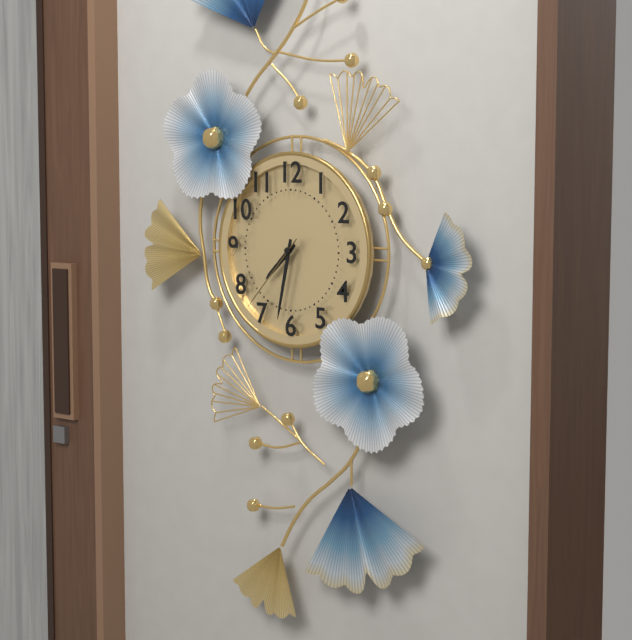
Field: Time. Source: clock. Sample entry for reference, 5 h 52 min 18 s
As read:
7 h 32 min 37 s
